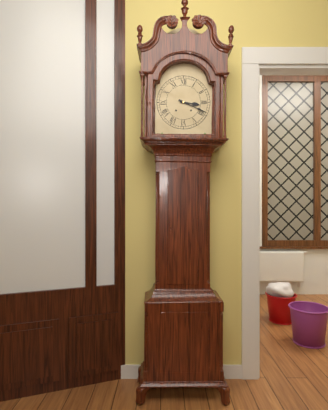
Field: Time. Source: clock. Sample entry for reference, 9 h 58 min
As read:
3 h 19 min
